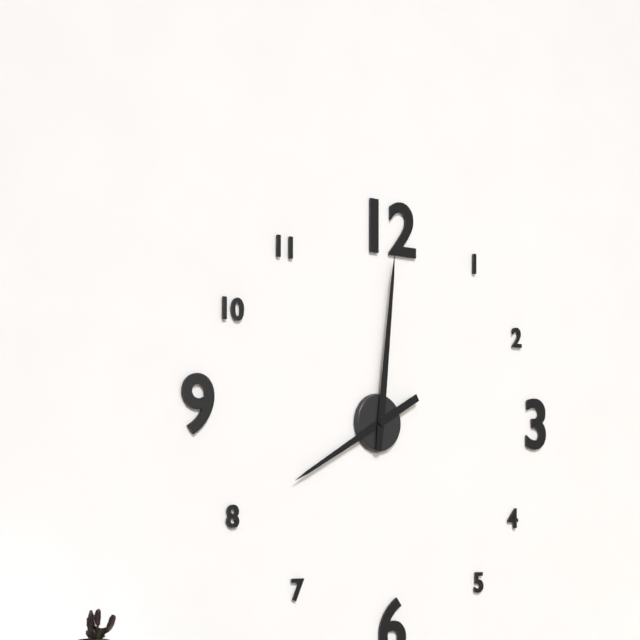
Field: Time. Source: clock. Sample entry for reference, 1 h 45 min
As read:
8 h 01 min
